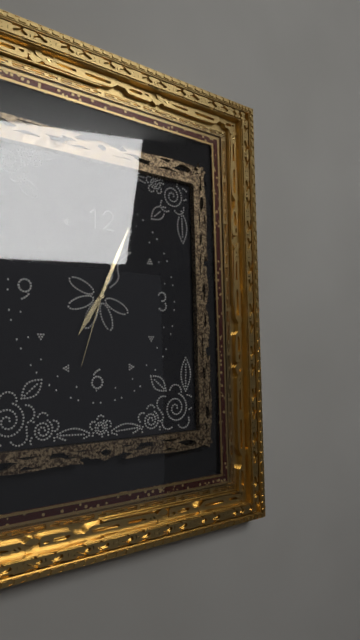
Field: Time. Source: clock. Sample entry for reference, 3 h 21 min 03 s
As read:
7 h 04 min 33 s
